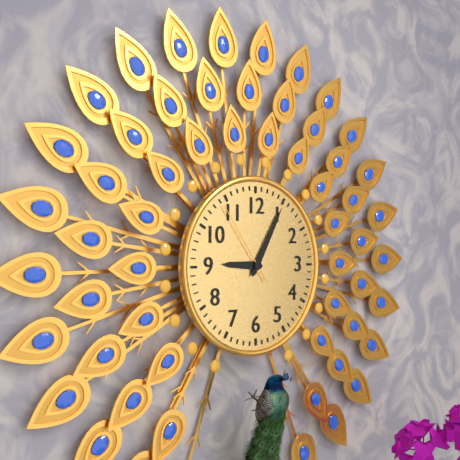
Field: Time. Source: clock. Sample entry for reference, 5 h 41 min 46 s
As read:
9 h 05 min 54 s
